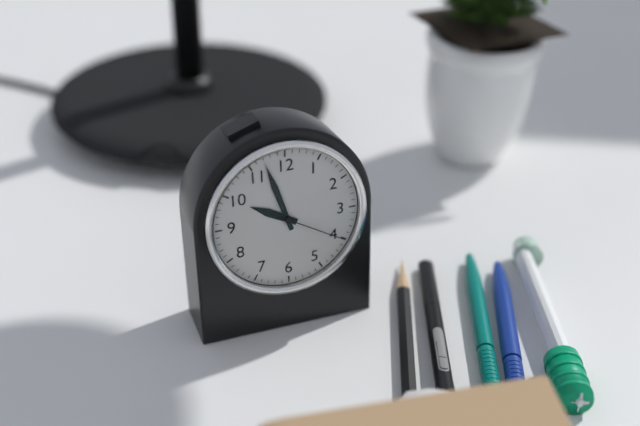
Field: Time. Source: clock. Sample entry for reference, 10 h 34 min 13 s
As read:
9 h 57 min 20 s
